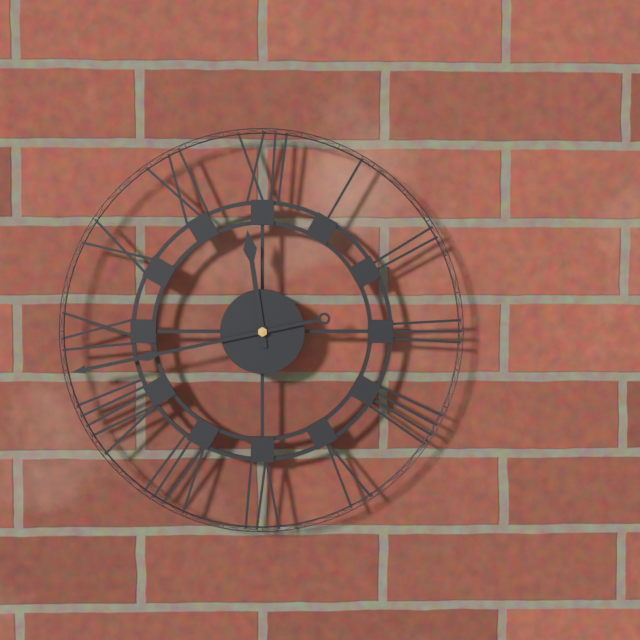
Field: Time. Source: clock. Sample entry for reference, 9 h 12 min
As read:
11 h 43 min
